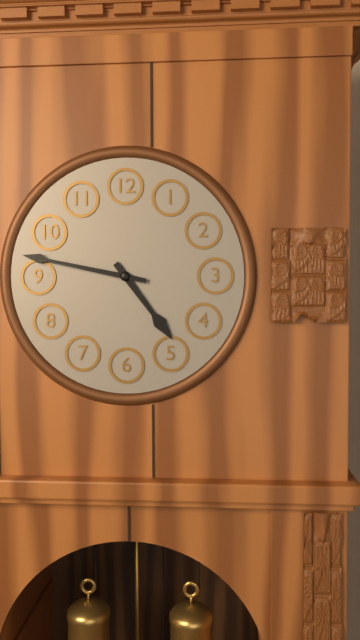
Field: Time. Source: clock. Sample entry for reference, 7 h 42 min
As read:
4 h 47 min
